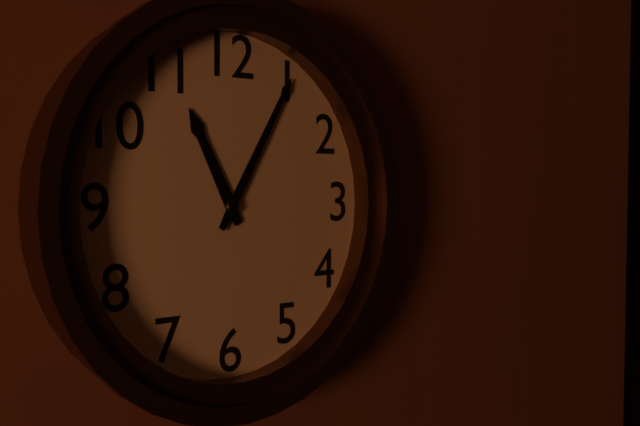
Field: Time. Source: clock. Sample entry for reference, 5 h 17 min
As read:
11 h 05 min
